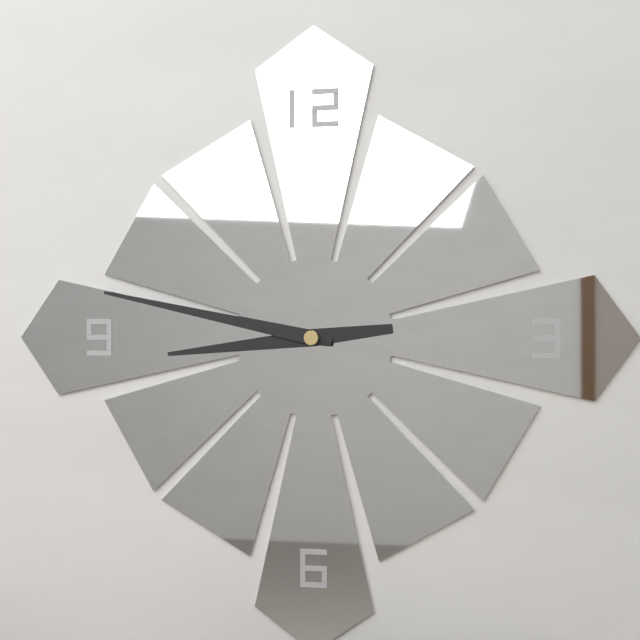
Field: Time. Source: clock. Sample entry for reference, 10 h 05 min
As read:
8 h 47 min
